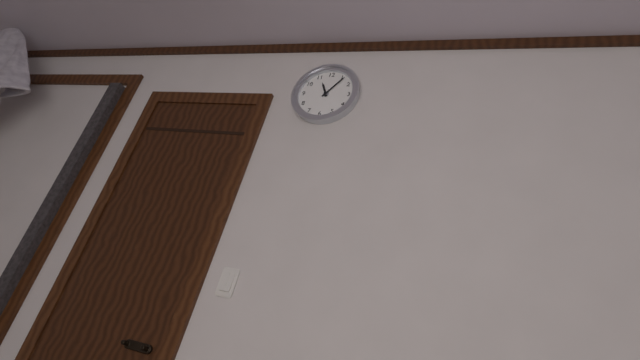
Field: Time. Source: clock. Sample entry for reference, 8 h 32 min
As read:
11 h 06 min
